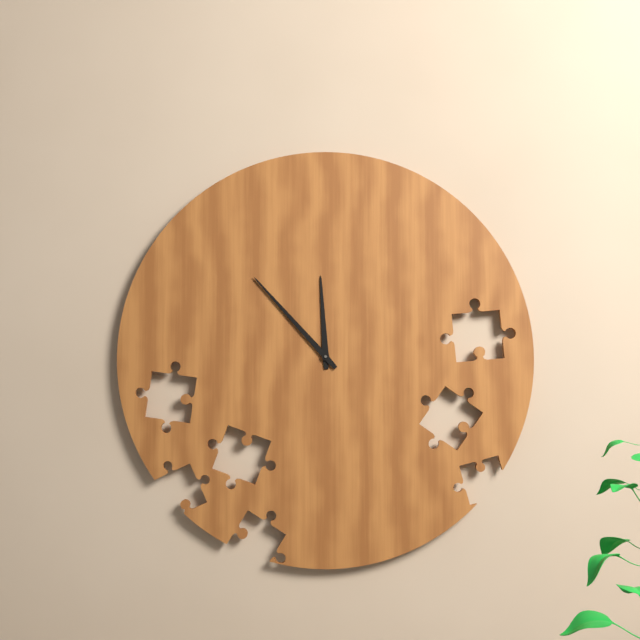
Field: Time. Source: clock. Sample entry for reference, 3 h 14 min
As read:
11 h 53 min
